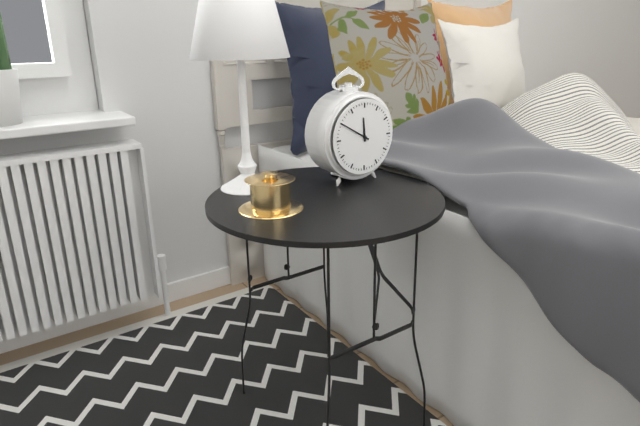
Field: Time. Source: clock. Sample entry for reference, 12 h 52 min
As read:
11 h 50 min
